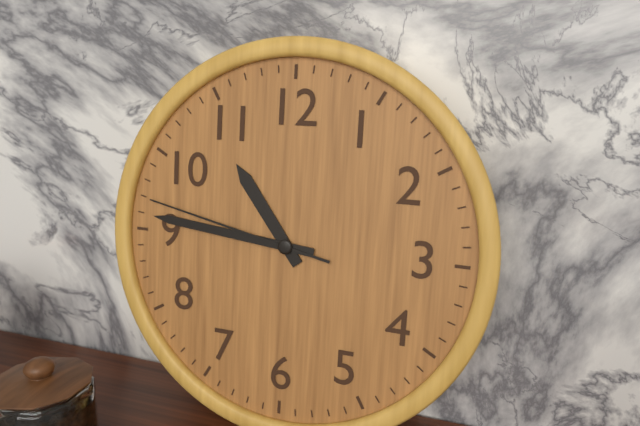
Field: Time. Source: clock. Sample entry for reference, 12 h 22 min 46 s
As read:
10 h 46 min 47 s
